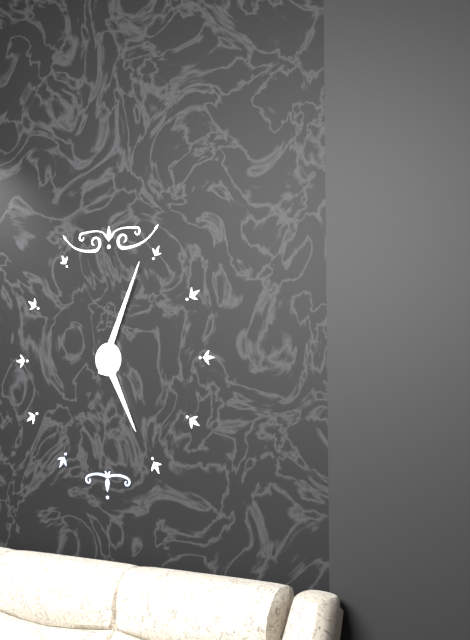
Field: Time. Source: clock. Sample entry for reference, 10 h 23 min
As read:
5 h 04 min
